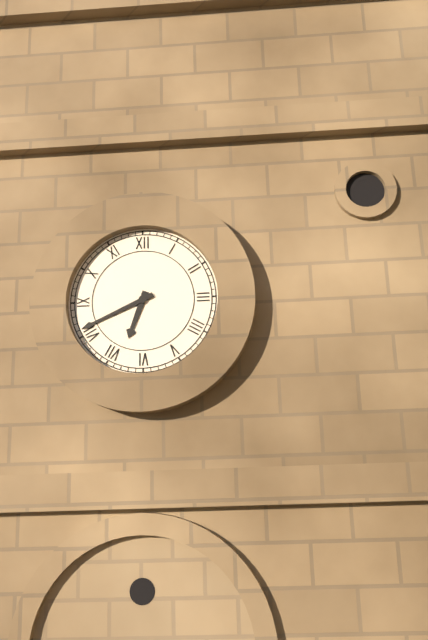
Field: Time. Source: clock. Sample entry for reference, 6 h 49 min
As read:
6 h 41 min
